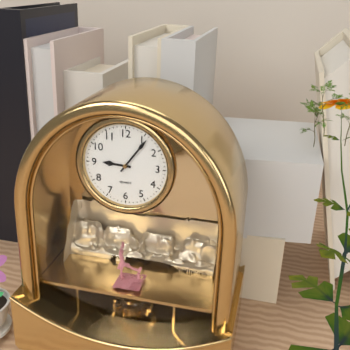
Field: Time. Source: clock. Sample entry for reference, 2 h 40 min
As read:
9 h 06 min
